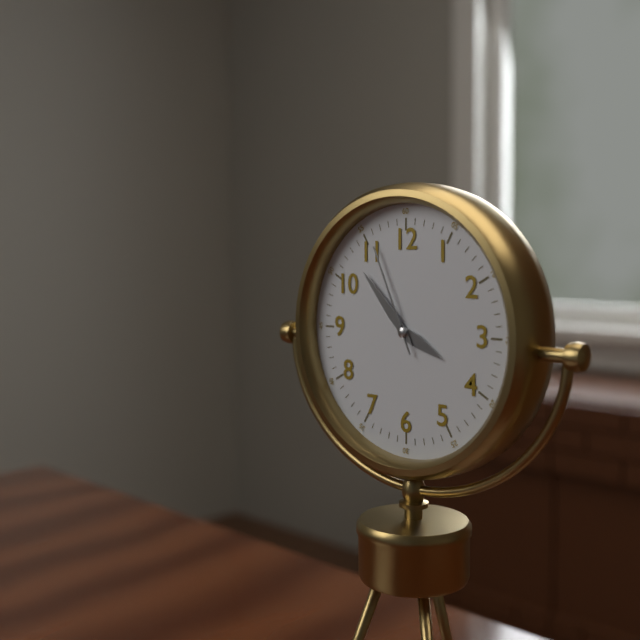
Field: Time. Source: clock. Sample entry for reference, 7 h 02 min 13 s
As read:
3 h 53 min 56 s
